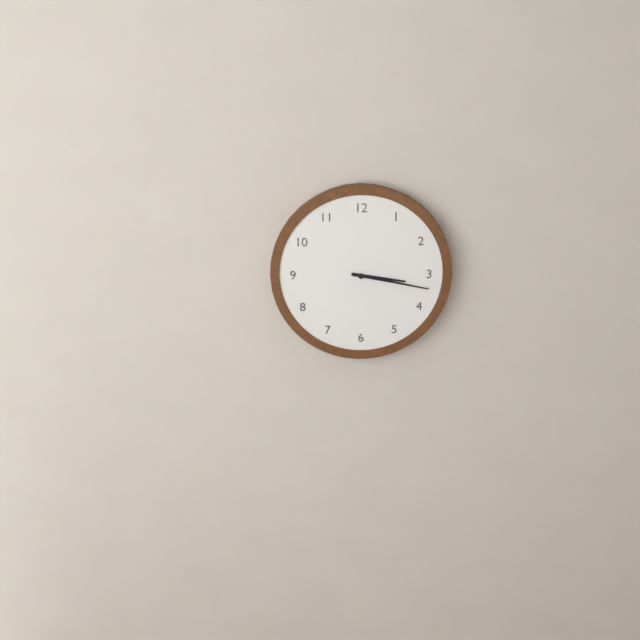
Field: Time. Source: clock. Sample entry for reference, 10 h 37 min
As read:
3 h 17 min
